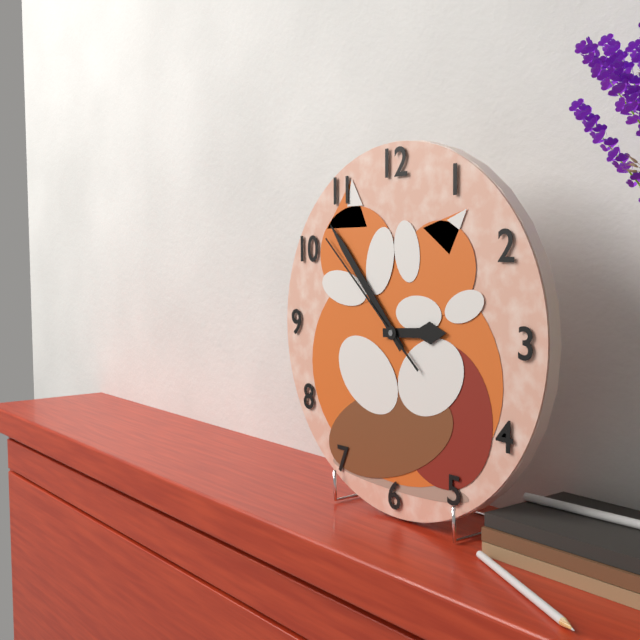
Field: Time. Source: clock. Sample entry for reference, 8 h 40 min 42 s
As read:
2 h 53 min 52 s
